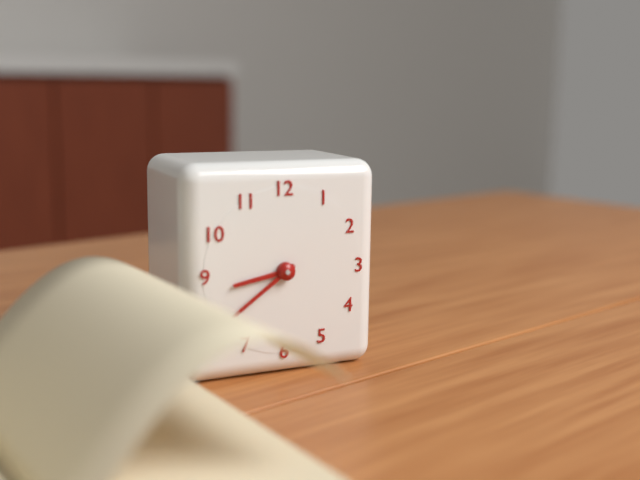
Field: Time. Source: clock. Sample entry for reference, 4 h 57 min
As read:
8 h 39 min
